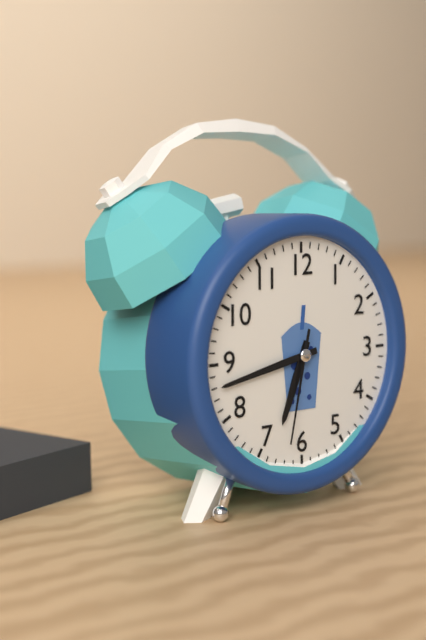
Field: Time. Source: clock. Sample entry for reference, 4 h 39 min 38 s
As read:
6 h 43 min 32 s
